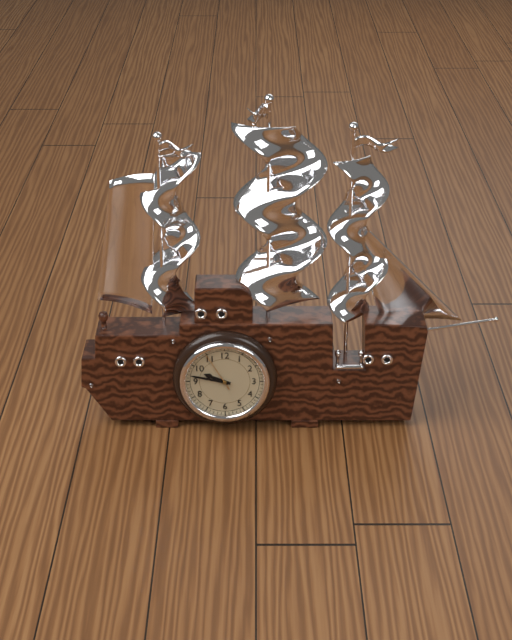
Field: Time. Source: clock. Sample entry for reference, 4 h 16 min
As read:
9 h 47 min
